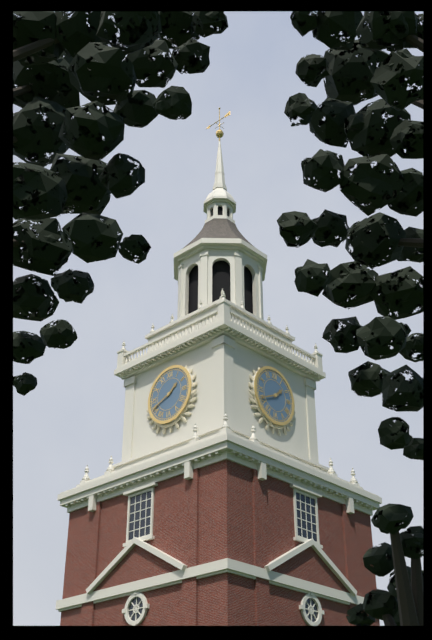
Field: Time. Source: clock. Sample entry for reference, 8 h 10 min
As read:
1 h 41 min
